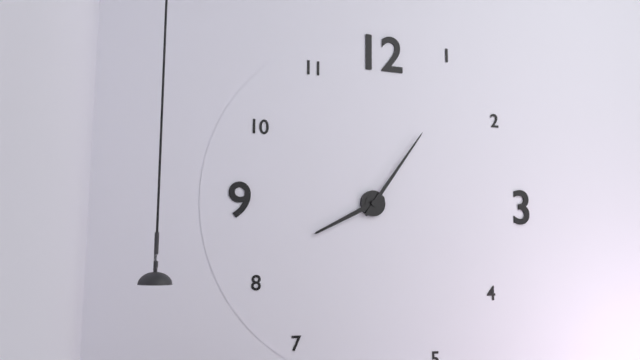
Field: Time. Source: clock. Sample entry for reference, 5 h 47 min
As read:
8 h 06 min
